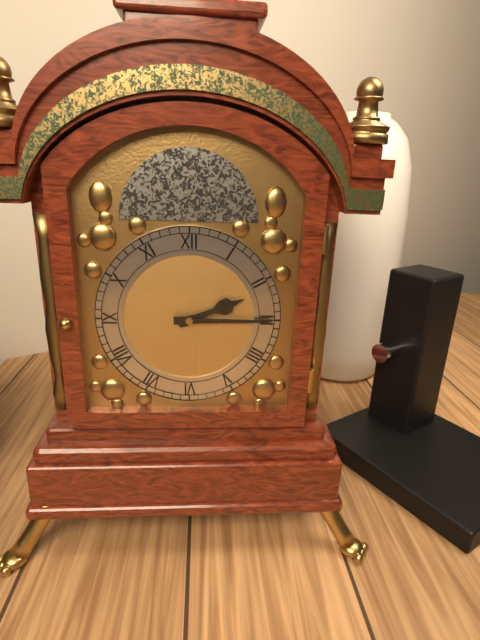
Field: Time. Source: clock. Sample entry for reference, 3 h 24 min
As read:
2 h 15 min
